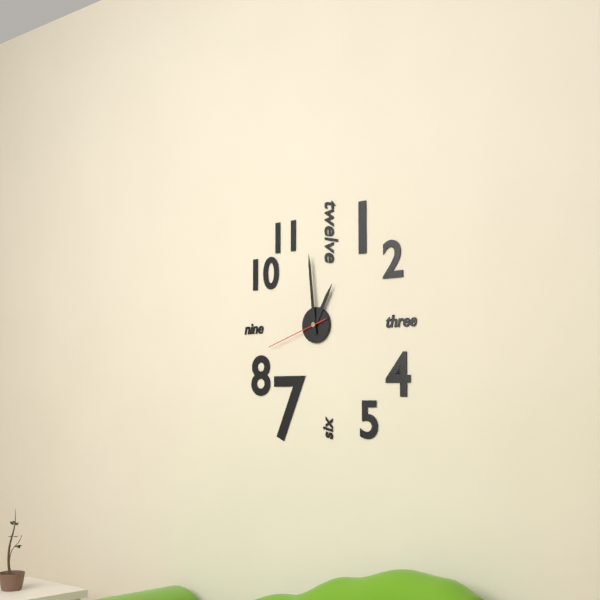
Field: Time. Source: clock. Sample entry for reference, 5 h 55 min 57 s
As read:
12 h 59 min 42 s
